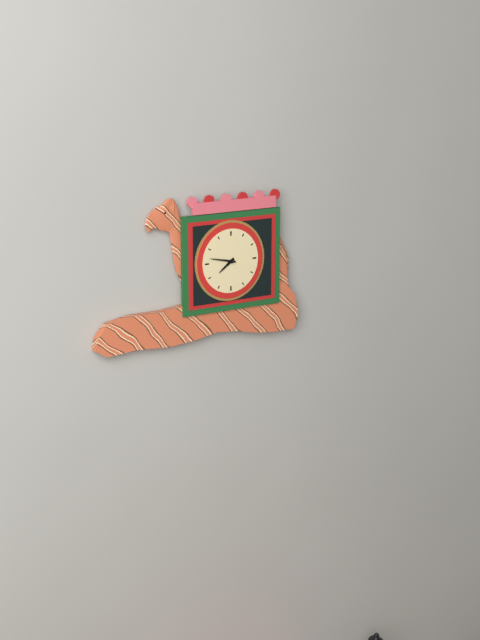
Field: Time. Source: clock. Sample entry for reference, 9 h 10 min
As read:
7 h 47 min
